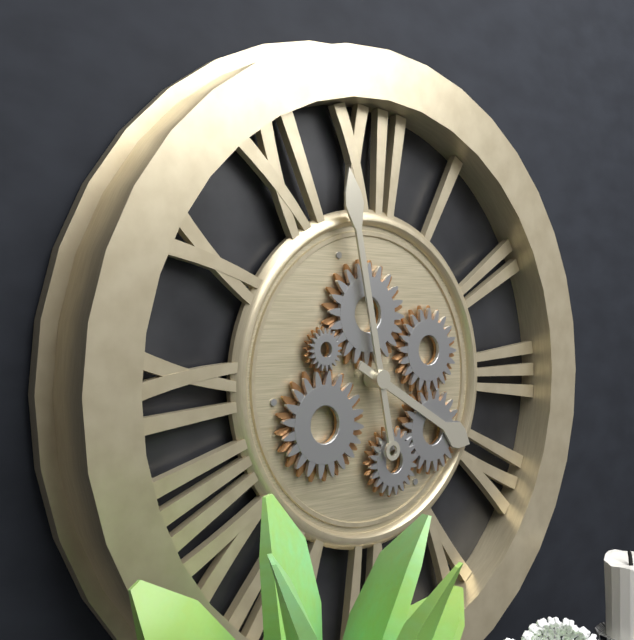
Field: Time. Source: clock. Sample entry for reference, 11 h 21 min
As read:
3 h 58 min
